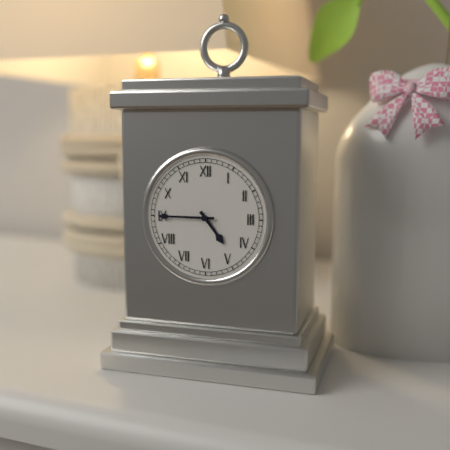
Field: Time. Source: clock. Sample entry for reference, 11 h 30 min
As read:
4 h 45 min
